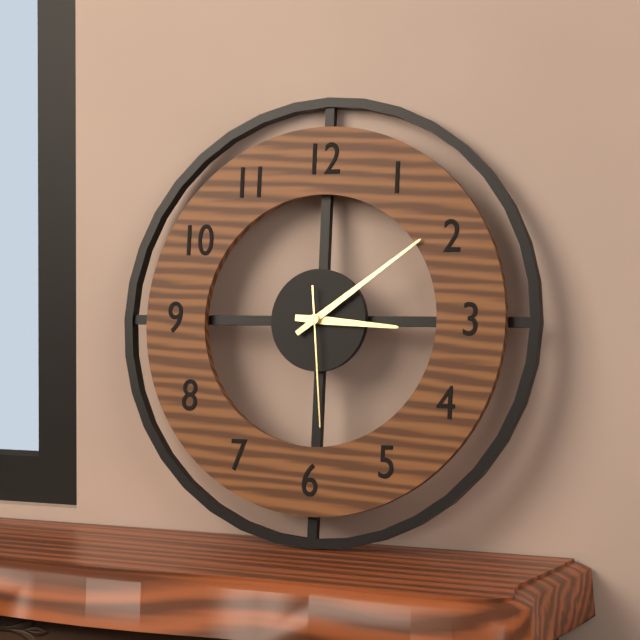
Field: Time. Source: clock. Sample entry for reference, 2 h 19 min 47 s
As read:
3 h 09 min 29 s
